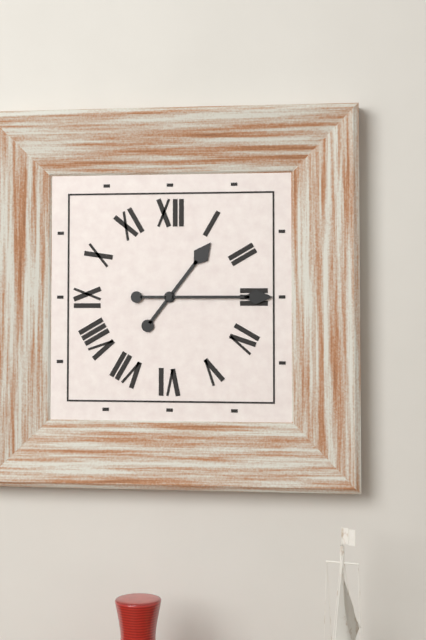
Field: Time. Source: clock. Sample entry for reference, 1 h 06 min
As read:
1 h 15 min
